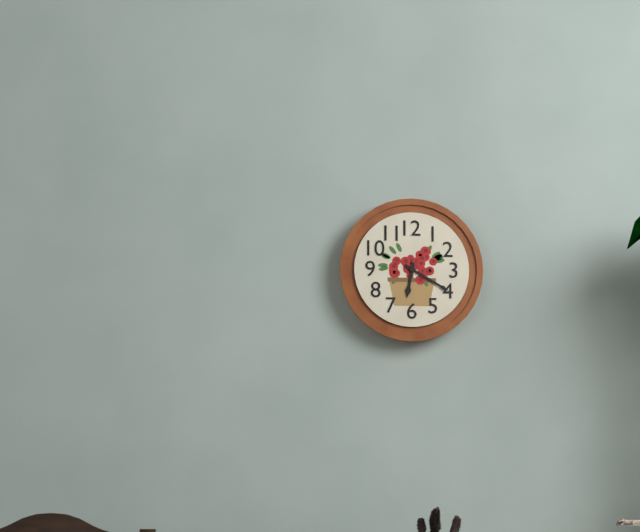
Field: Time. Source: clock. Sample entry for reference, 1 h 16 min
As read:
6 h 20 min
